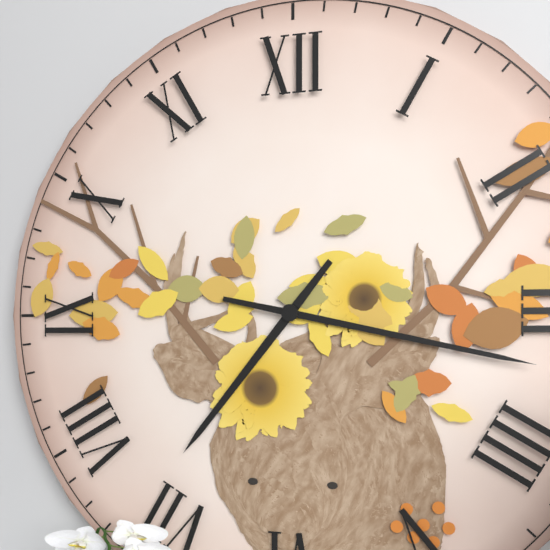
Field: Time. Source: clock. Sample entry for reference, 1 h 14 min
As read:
7 h 17 min
